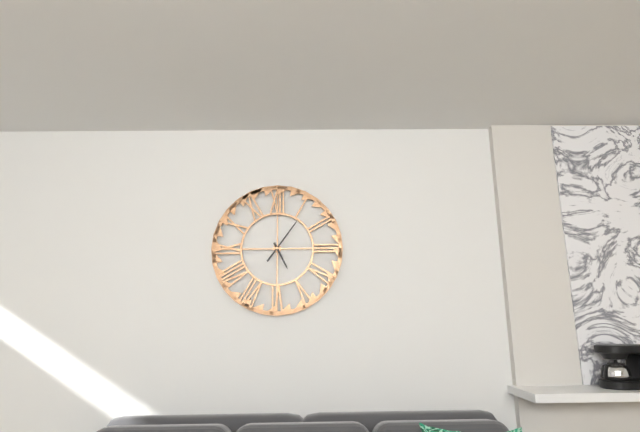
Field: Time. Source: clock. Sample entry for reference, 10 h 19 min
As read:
5 h 06 min
